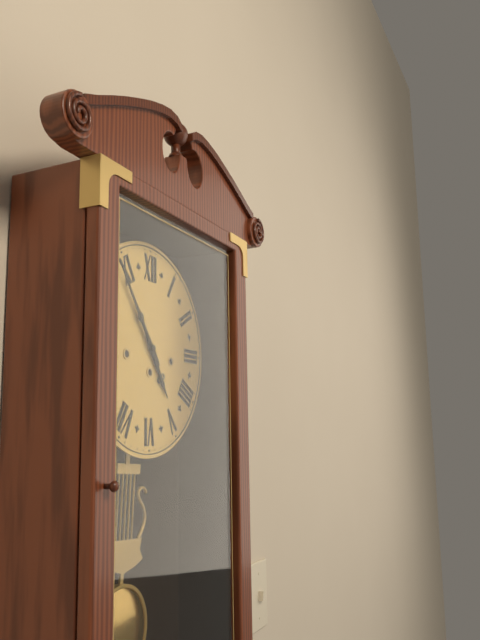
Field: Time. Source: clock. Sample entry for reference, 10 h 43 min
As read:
4 h 54 min
